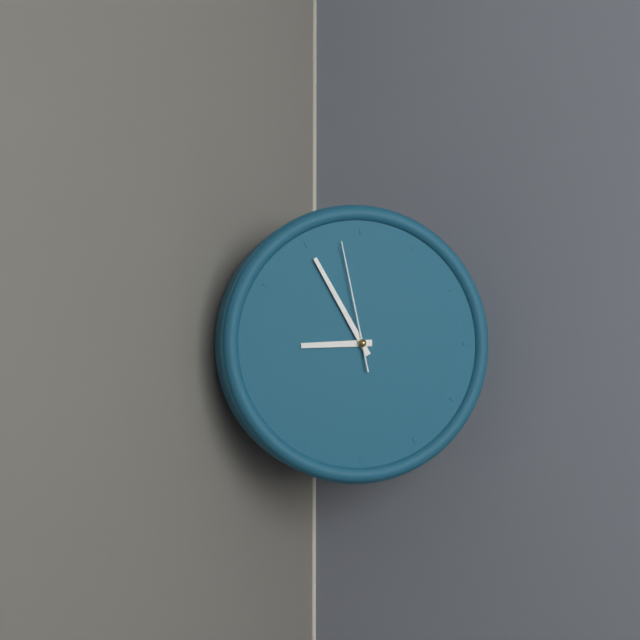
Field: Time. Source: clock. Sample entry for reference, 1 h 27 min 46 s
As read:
8 h 55 min 58 s
